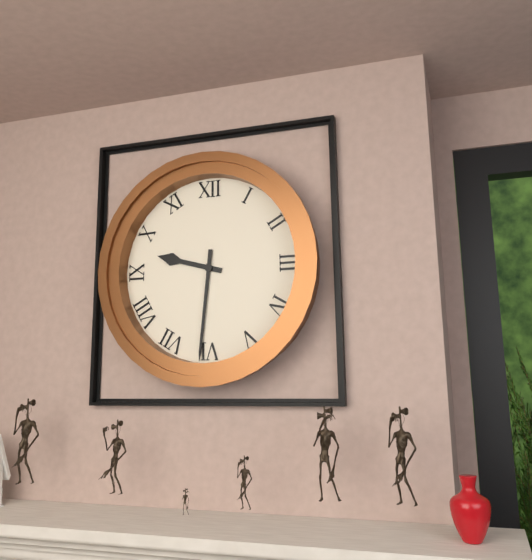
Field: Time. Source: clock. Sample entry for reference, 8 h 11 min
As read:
9 h 31 min
